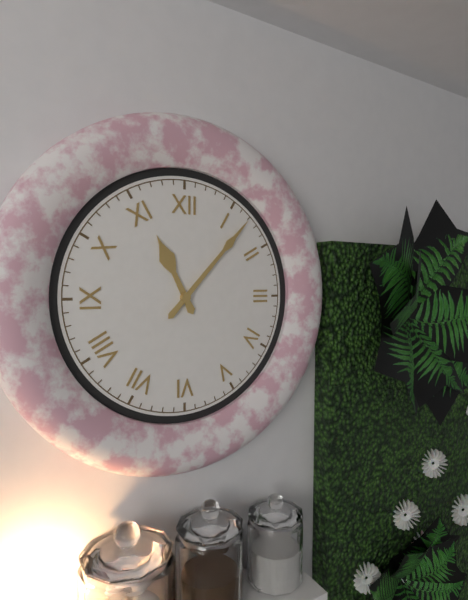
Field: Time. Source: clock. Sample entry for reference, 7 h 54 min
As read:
11 h 07 min
